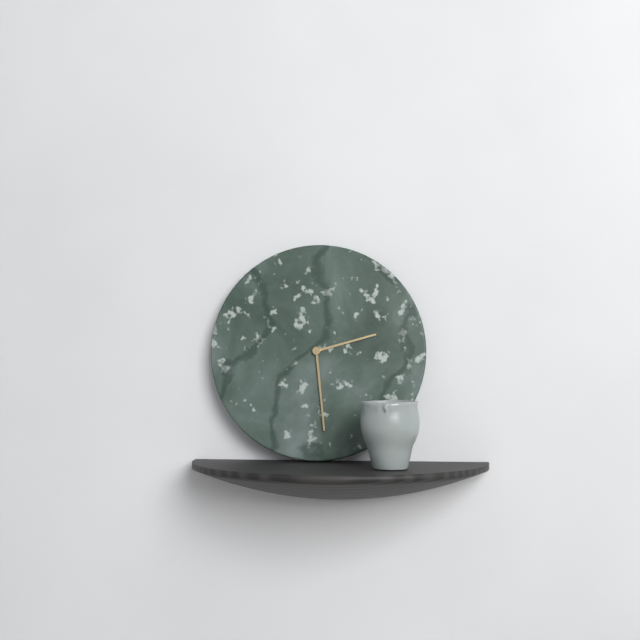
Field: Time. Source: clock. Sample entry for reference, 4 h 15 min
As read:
2 h 29 min
